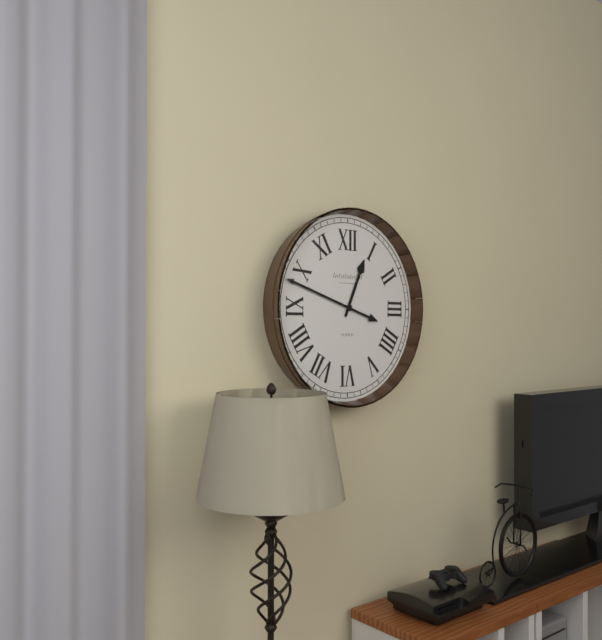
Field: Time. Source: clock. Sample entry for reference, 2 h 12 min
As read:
12 h 48 min
